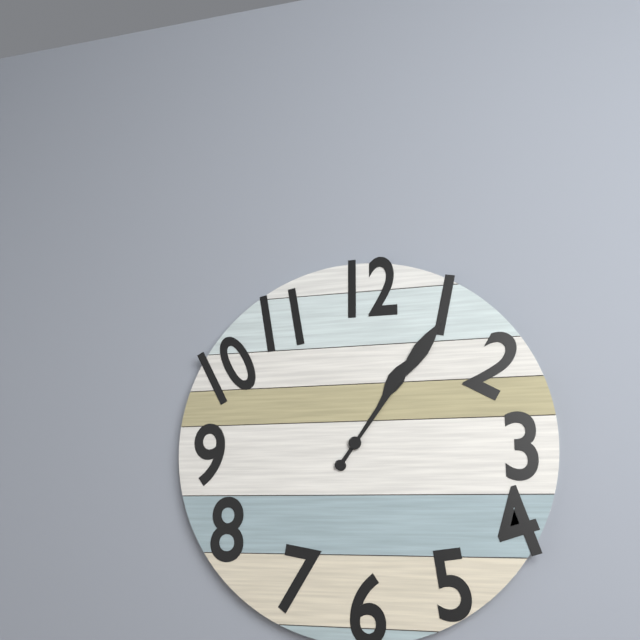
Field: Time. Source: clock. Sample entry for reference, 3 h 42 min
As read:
1 h 06 min
